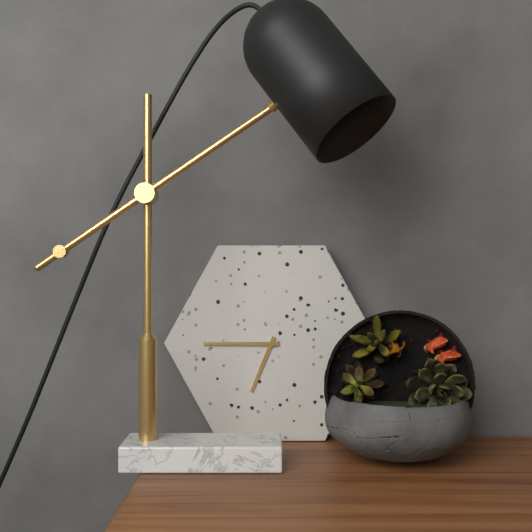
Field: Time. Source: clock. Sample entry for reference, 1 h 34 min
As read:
6 h 45 min
